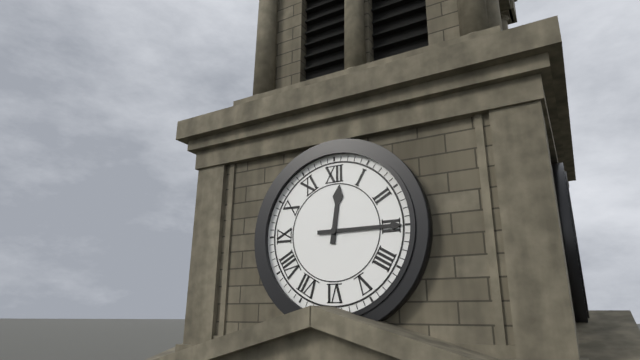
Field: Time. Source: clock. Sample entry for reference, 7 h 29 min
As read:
12 h 15 min
